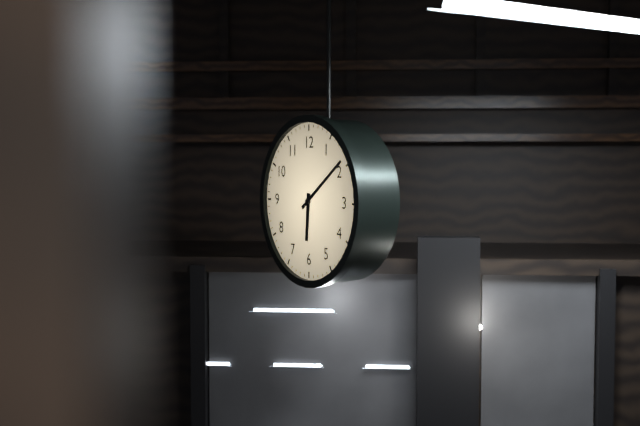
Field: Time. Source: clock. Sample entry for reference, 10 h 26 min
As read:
6 h 09 min
